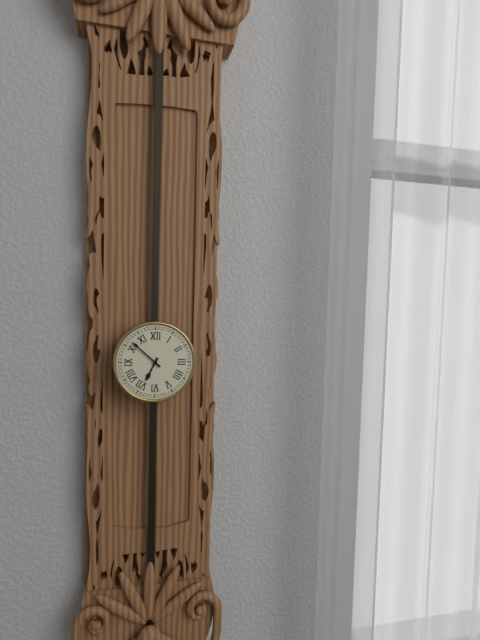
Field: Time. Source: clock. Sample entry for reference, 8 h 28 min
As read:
6 h 52 min
